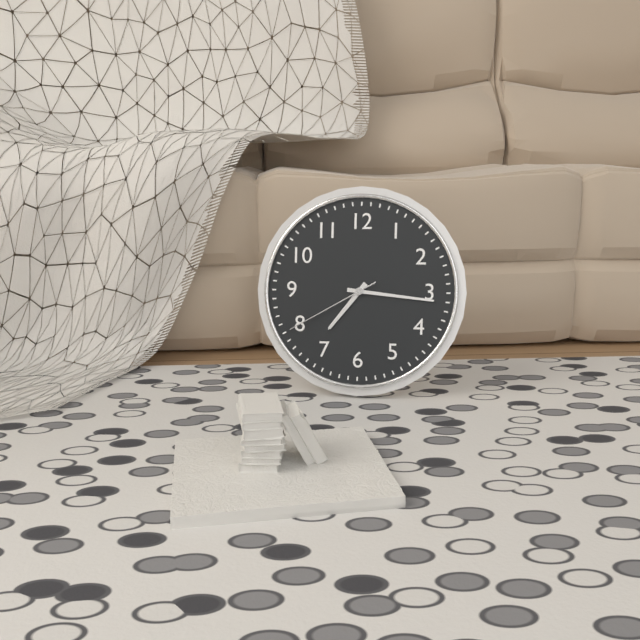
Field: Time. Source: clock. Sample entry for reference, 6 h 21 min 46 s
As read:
7 h 16 min 40 s
